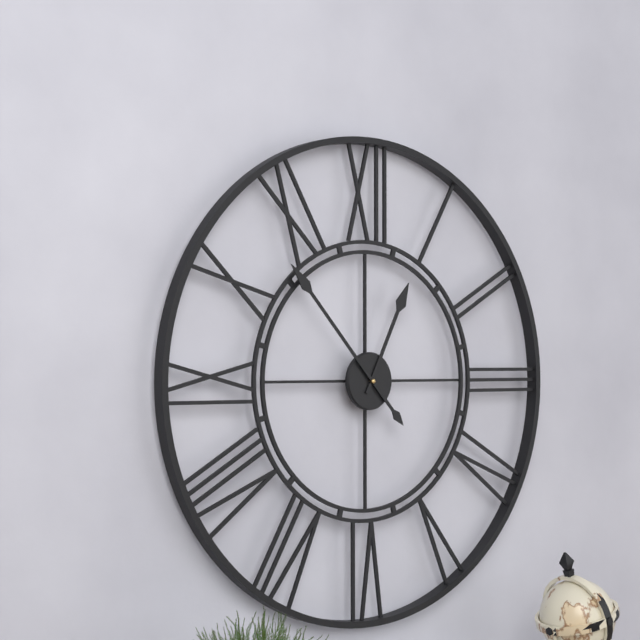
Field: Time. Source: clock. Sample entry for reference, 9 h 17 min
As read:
12 h 53 min
